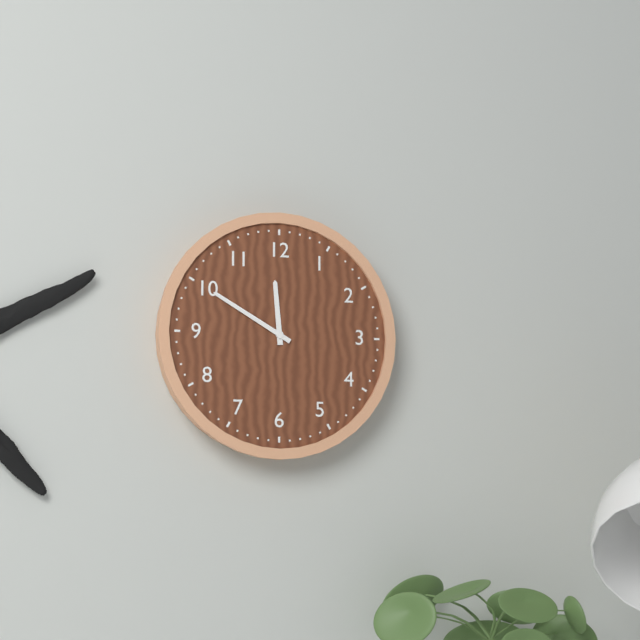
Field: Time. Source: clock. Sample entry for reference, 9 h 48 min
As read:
11 h 50 min
